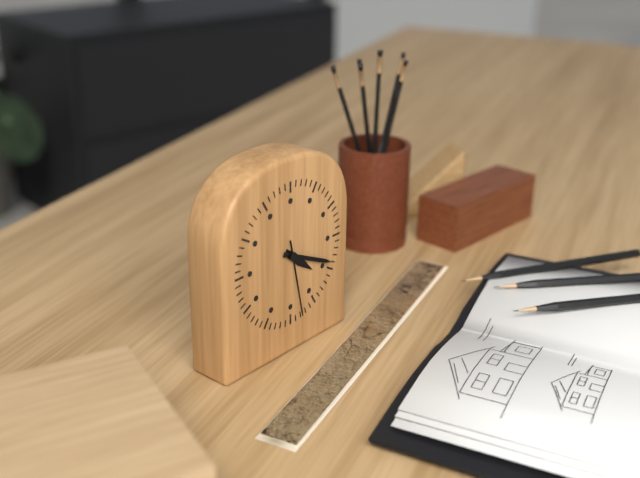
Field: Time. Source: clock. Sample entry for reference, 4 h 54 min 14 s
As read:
4 h 19 min 28 s
